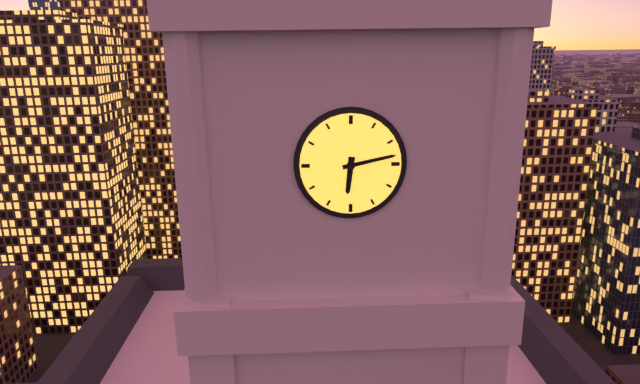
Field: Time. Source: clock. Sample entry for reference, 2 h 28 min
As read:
6 h 13 min
